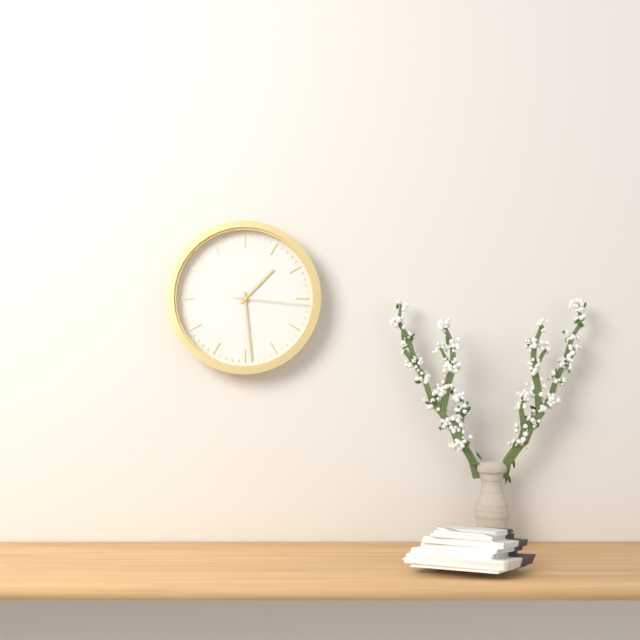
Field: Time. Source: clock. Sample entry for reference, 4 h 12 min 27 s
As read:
1 h 29 min 16 s
